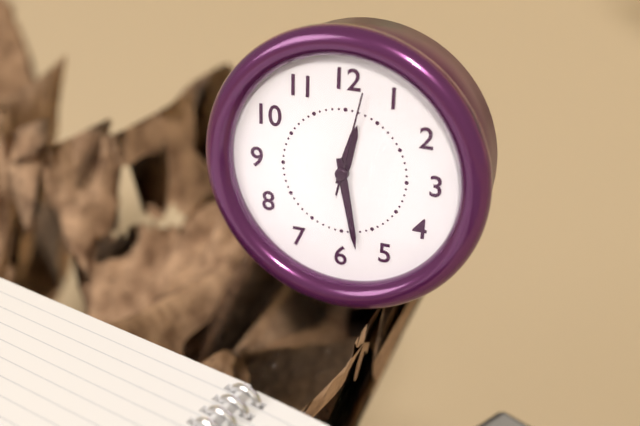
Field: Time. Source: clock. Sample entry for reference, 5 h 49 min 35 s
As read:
12 h 28 min 02 s
